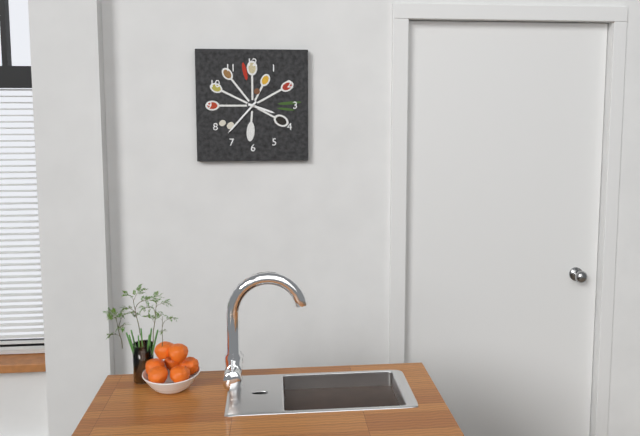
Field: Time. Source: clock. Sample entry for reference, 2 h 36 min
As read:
3 h 37 min
